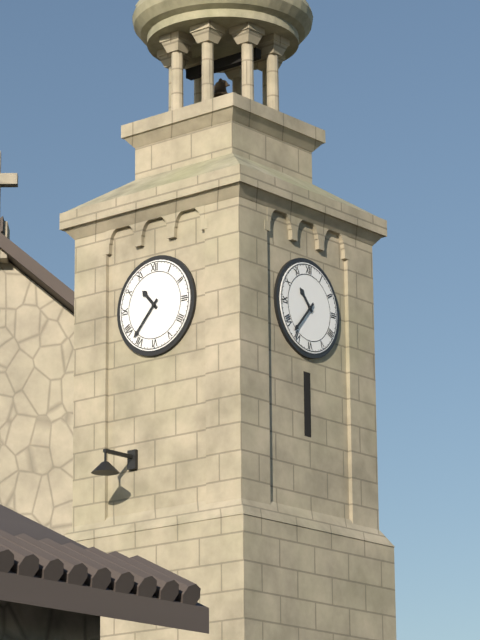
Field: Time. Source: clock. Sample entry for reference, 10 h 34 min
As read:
10 h 37 min
